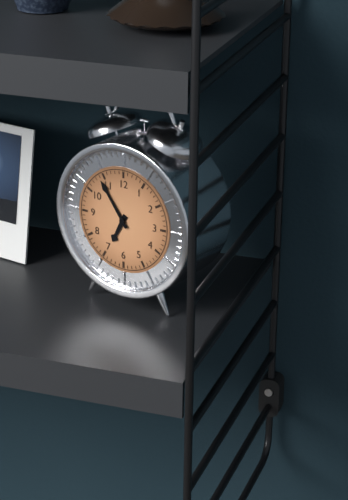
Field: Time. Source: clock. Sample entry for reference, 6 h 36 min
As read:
6 h 54 min
